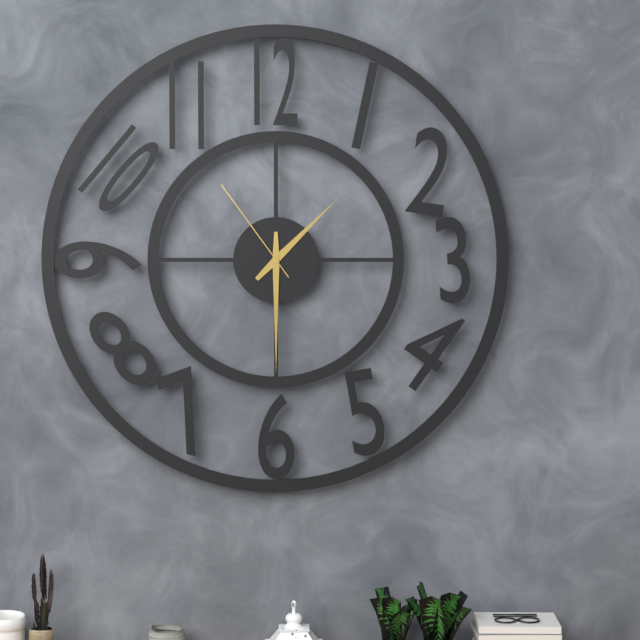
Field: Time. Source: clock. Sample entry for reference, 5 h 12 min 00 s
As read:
1 h 30 min 54 s
